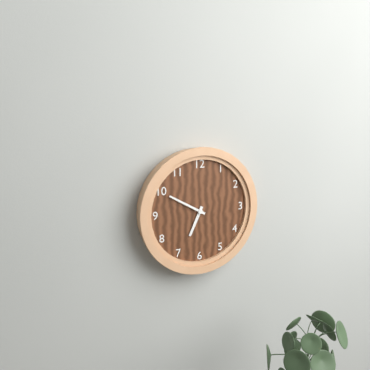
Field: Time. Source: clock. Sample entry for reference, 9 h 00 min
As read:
6 h 50 min
